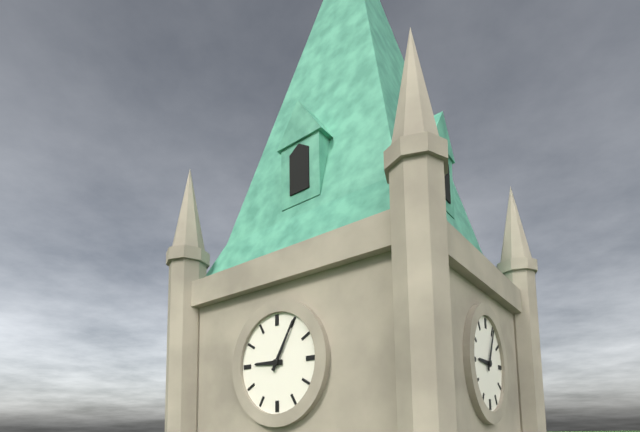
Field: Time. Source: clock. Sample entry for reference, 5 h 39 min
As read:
9 h 05 min
